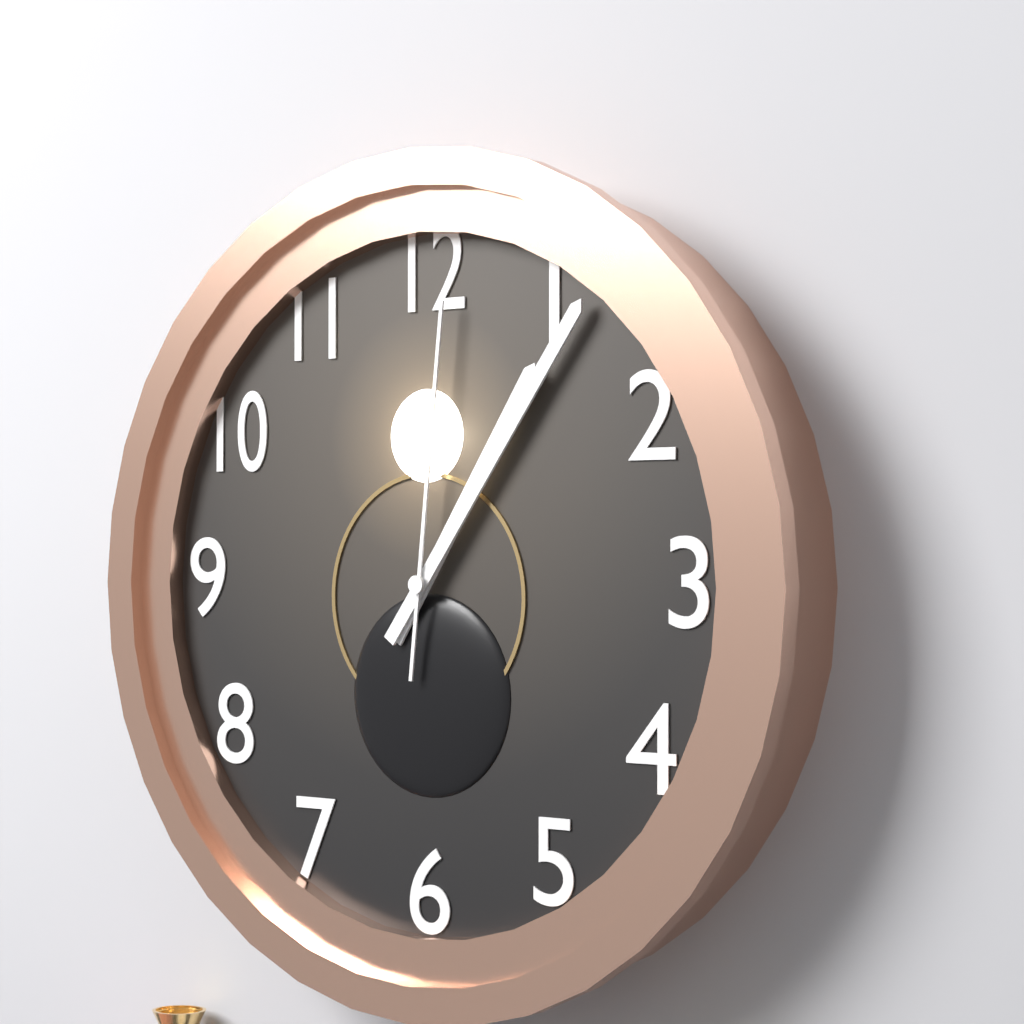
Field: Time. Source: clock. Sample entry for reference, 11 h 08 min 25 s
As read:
1 h 06 min 01 s
